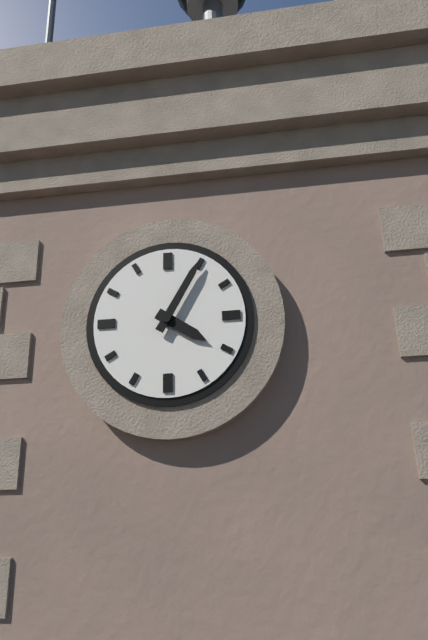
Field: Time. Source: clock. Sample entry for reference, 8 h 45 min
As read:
4 h 05 min
